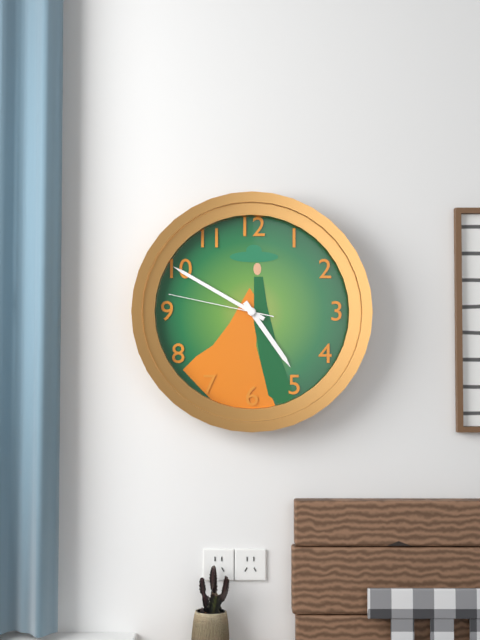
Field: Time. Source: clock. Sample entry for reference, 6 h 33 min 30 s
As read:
4 h 50 min 47 s
